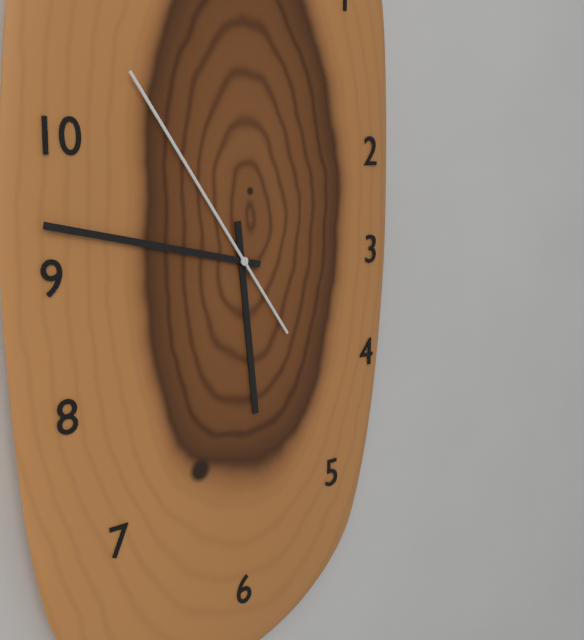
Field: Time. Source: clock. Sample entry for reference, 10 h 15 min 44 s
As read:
5 h 47 min 54 s
